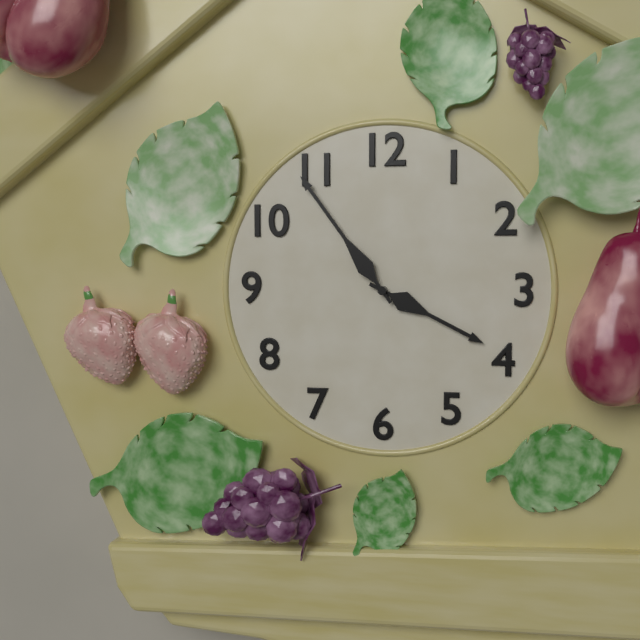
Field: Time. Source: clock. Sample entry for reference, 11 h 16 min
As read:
3 h 54 min
